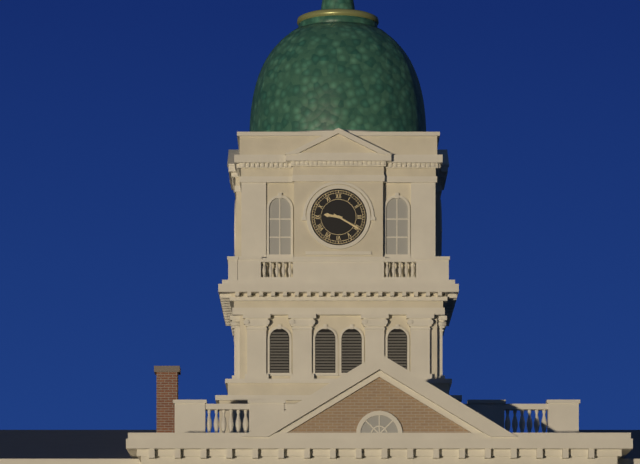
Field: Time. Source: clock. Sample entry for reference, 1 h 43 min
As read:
9 h 20 min
